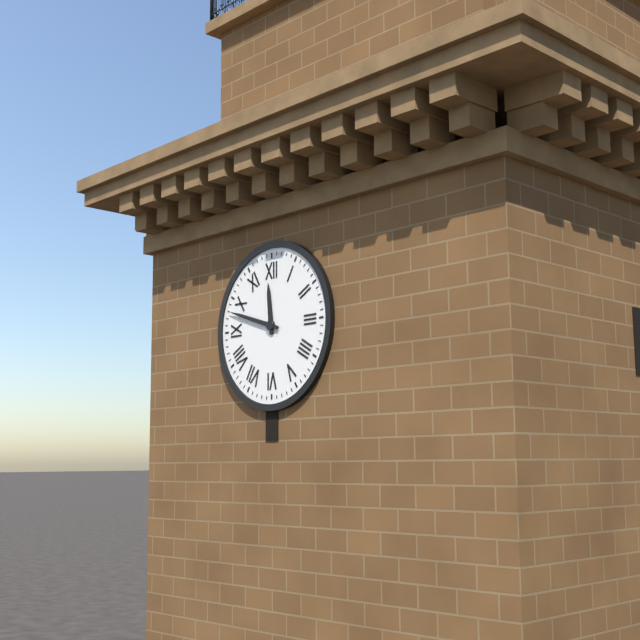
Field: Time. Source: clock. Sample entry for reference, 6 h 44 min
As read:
11 h 48 min
